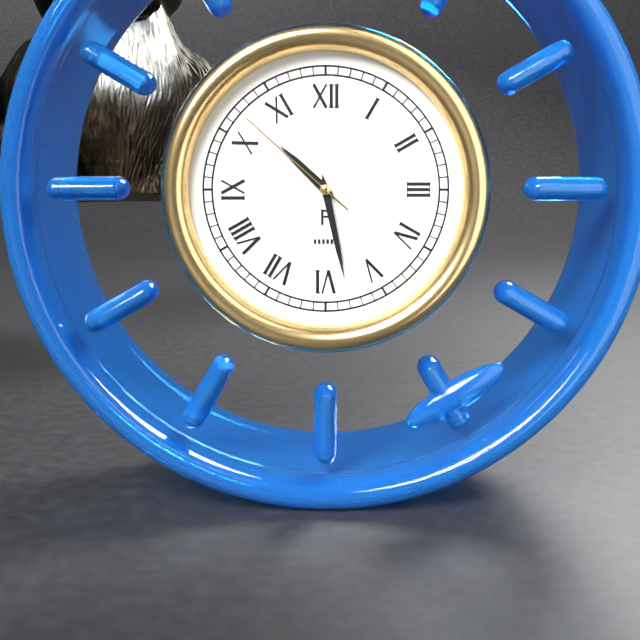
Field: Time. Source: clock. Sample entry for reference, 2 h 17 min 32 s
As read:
10 h 28 min 52 s
